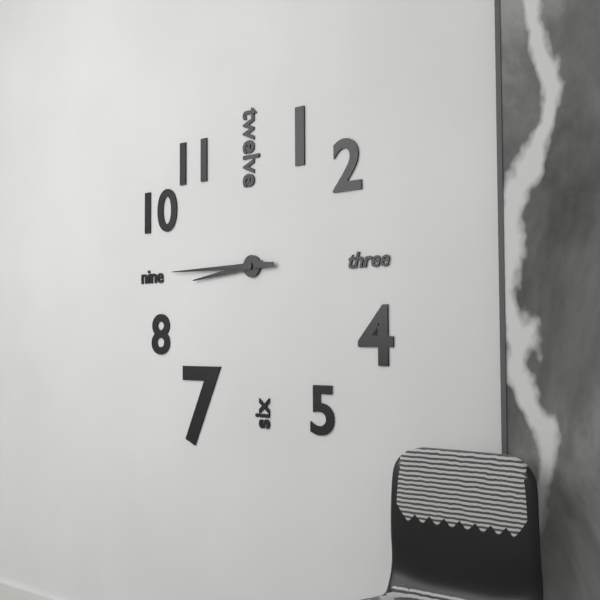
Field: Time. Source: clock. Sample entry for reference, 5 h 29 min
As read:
8 h 45 min
